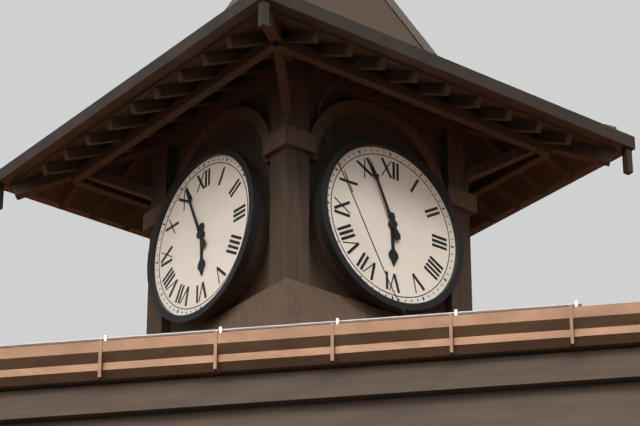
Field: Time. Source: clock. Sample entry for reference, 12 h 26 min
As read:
5 h 56 min
